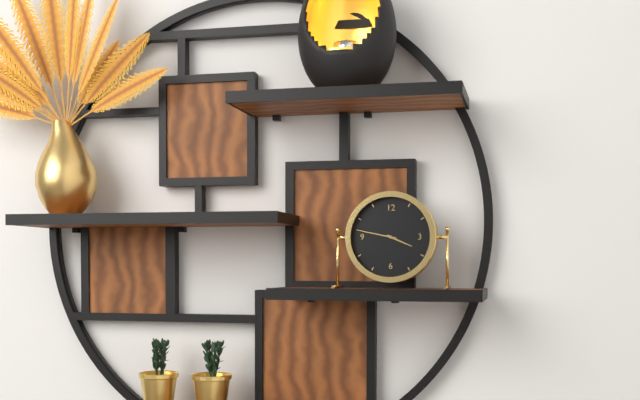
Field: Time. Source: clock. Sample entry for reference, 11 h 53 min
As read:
3 h 47 min
